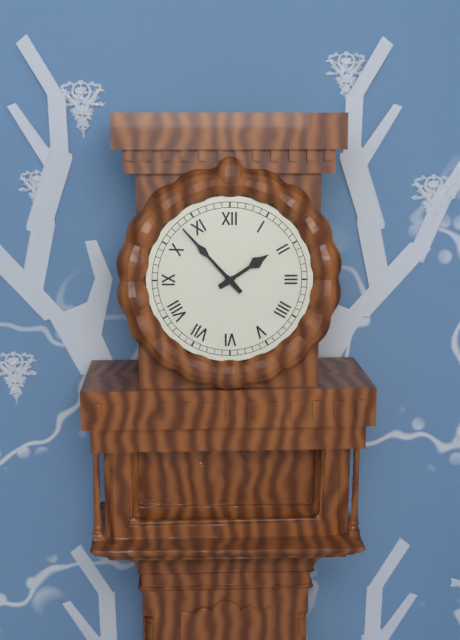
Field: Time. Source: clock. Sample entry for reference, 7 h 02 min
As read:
1 h 53 min
